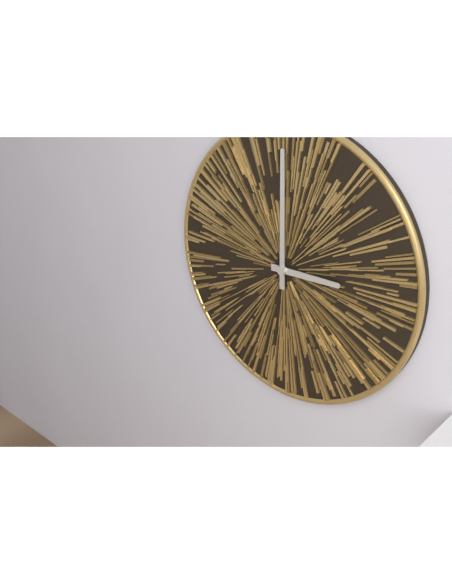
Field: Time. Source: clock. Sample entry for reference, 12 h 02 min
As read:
3 h 00 min
